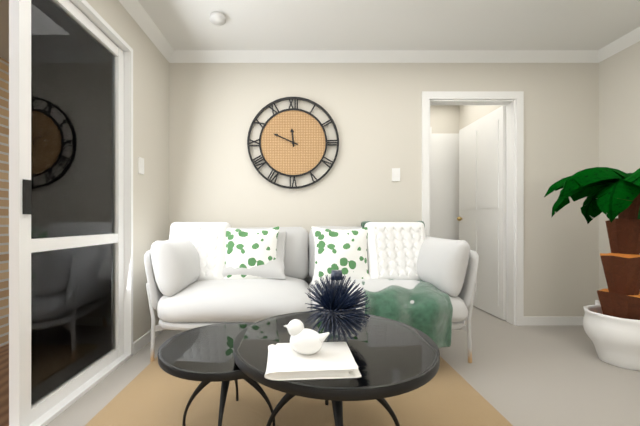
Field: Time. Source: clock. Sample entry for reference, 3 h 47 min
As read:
11 h 49 min
